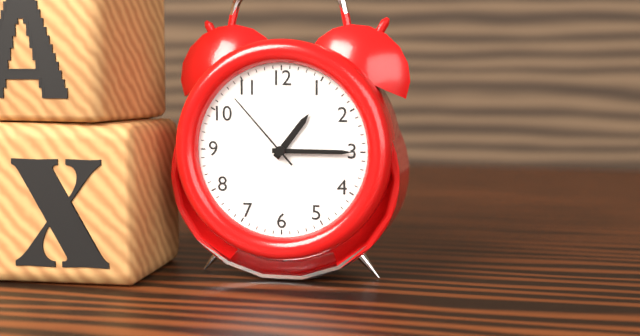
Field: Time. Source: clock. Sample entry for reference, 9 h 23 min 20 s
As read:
1 h 15 min 53 s
